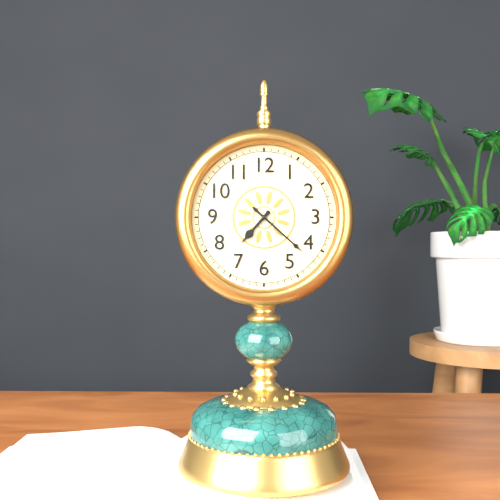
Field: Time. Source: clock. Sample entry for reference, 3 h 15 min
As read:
7 h 22 min
